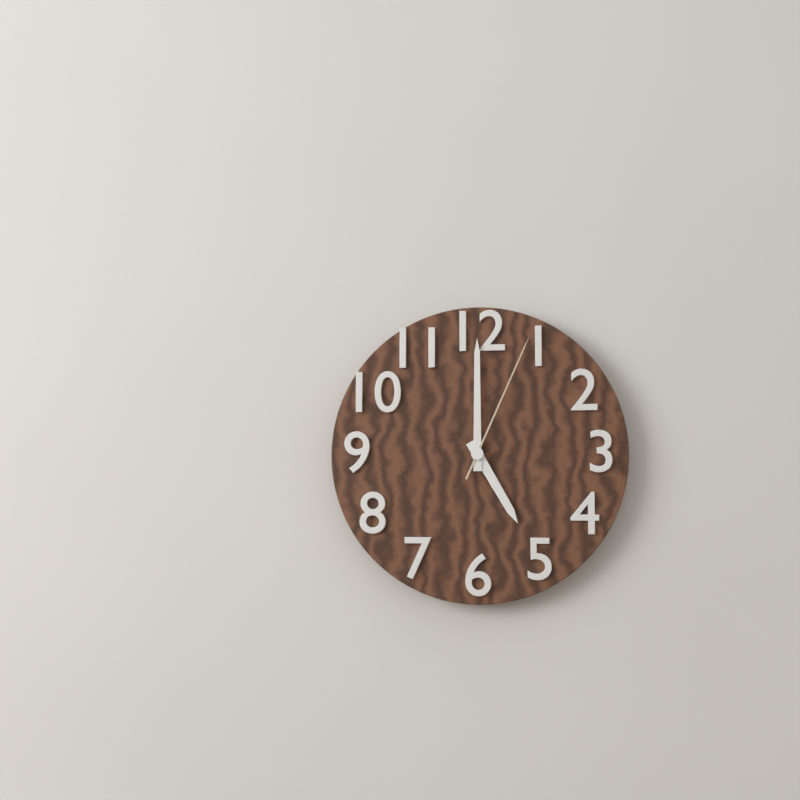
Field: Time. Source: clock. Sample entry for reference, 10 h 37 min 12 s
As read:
5 h 00 min 04 s
